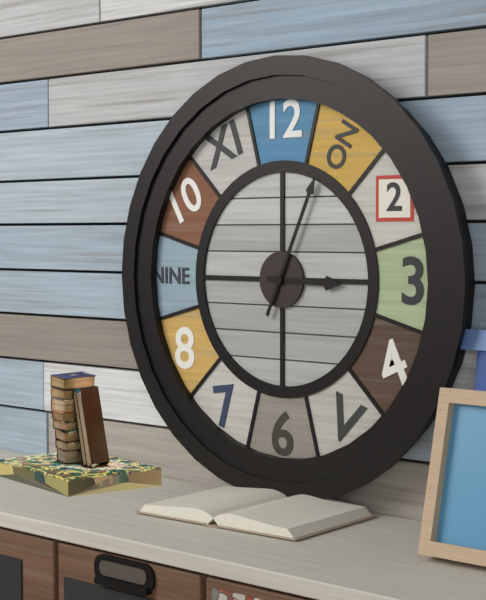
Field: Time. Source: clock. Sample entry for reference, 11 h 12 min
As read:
3 h 04 min
